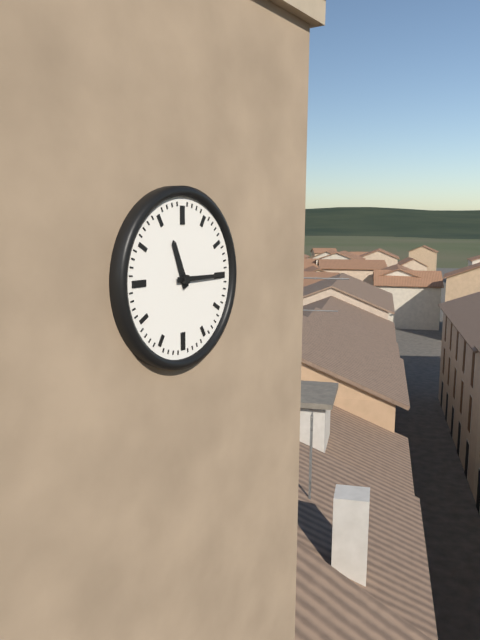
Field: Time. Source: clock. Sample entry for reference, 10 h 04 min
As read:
11 h 15 min
